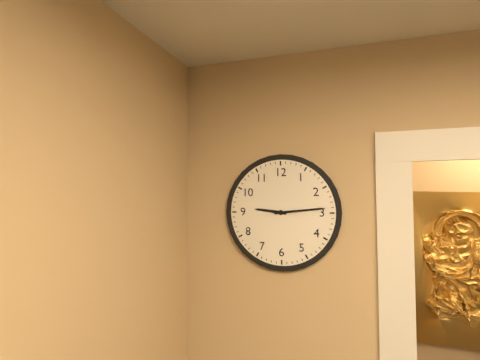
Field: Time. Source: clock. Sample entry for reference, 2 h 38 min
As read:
9 h 14 min
